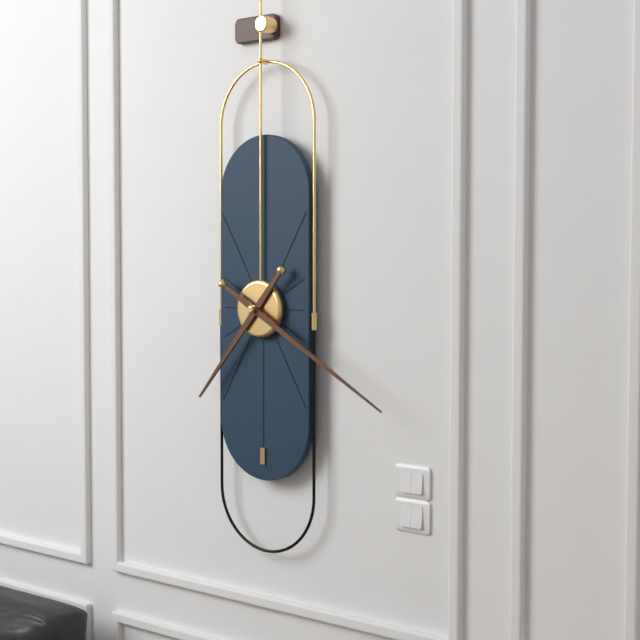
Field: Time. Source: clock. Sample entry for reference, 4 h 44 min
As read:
7 h 20 min
